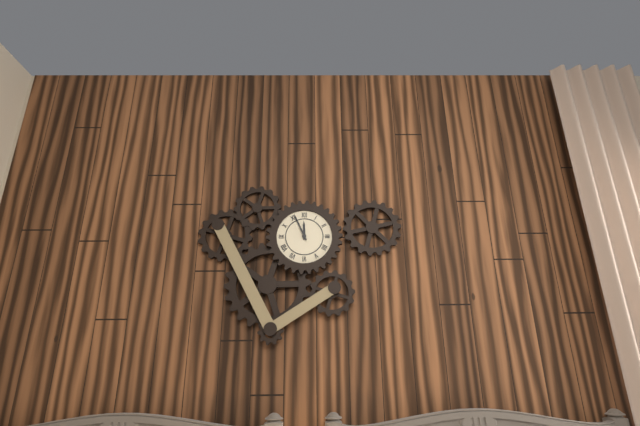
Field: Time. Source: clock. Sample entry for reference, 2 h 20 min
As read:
11 h 56 min
